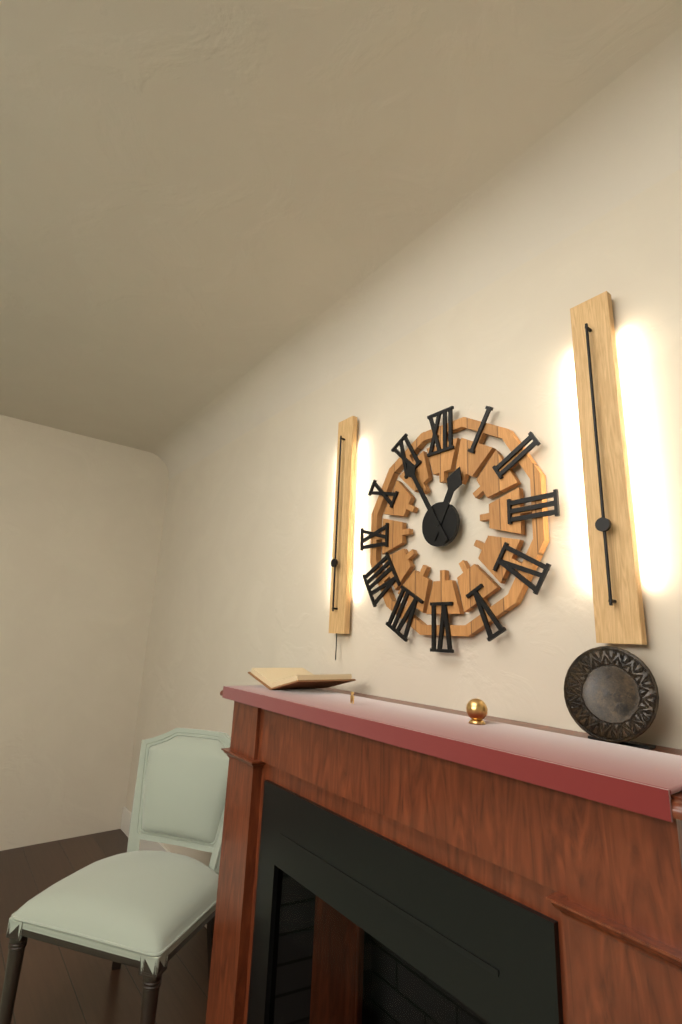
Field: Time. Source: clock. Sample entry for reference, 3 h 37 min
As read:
12 h 55 min
